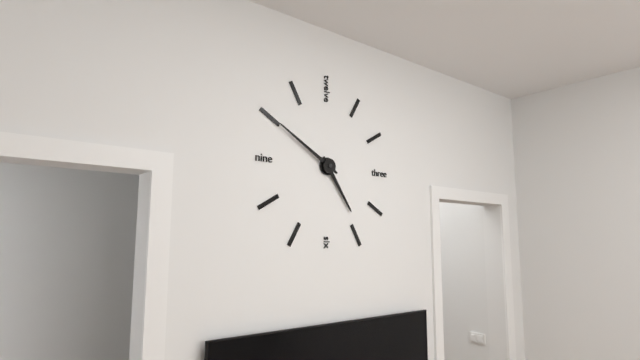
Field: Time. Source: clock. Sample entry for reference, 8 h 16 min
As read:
4 h 50 min
